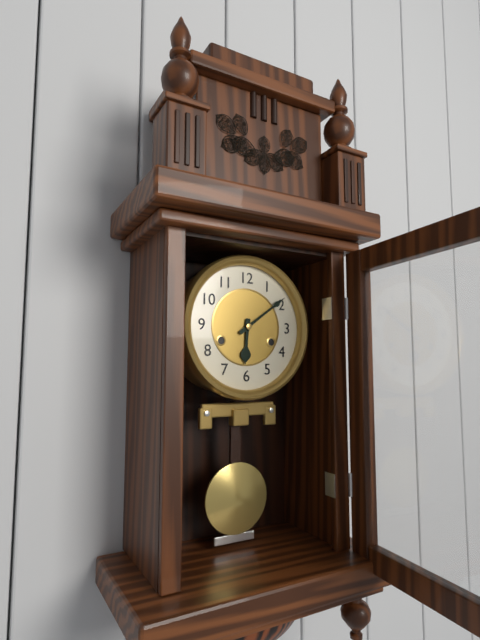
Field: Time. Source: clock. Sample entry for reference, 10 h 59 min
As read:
6 h 09 min
